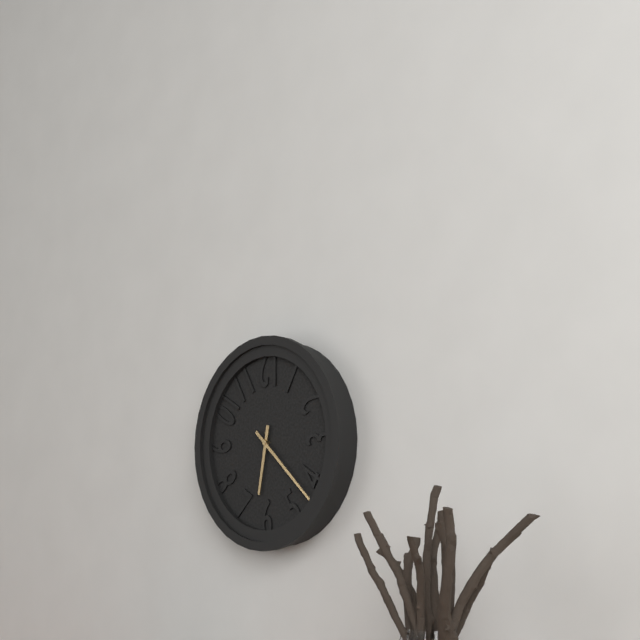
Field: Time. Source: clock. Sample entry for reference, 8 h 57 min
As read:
6 h 22 min
